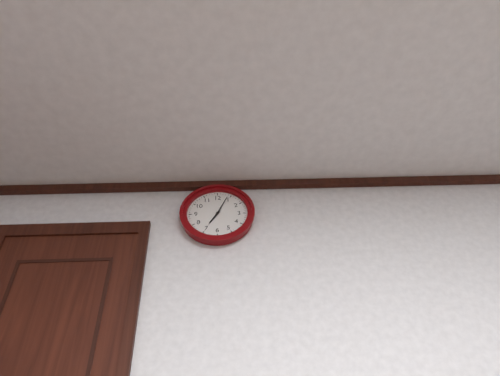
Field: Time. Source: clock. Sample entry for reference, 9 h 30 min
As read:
7 h 04 min
